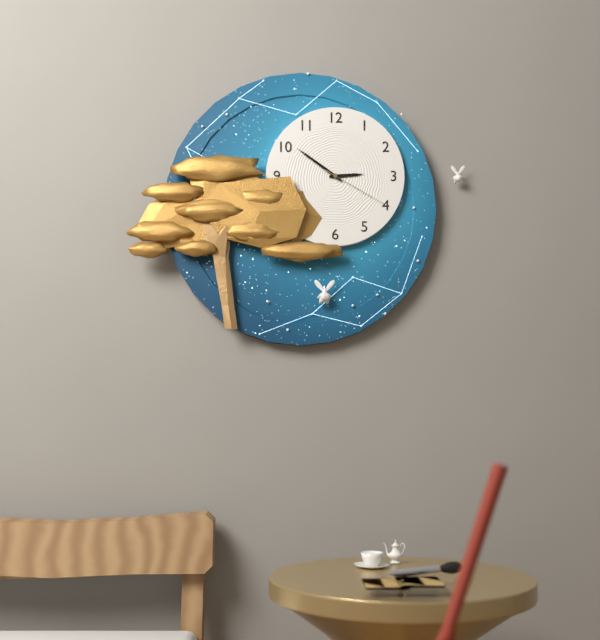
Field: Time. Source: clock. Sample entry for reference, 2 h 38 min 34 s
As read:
2 h 51 min 20 s
